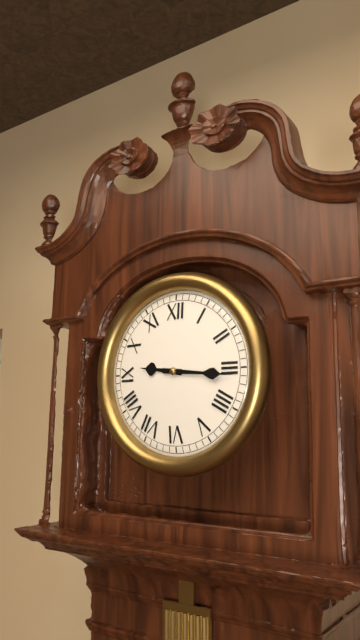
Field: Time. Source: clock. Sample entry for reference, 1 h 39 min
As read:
9 h 16 min
